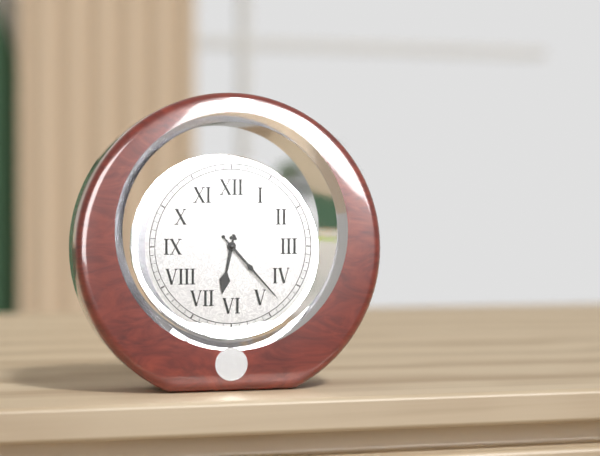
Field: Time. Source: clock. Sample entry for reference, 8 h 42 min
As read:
6 h 23 min
